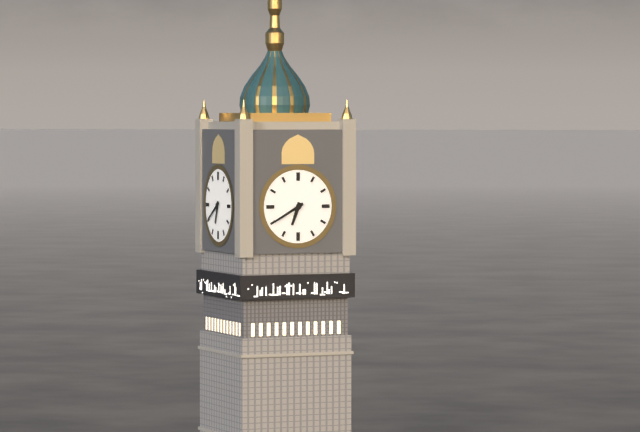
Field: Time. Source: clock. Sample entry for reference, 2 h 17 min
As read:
6 h 40 min
